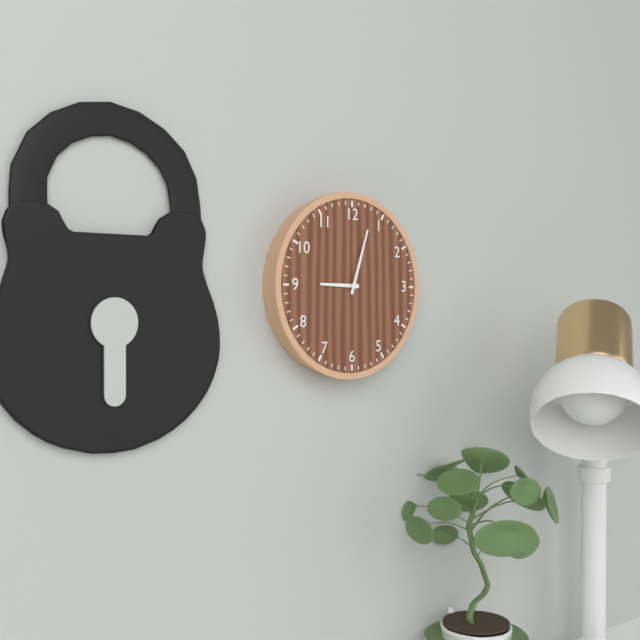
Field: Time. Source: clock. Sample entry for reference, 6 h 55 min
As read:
9 h 03 min
